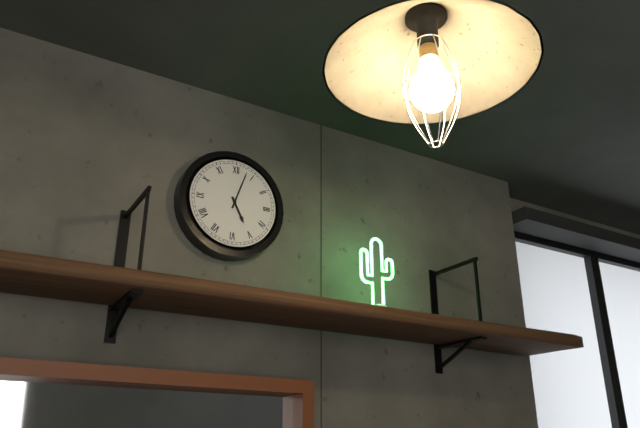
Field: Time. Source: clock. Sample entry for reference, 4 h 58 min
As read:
5 h 03 min
